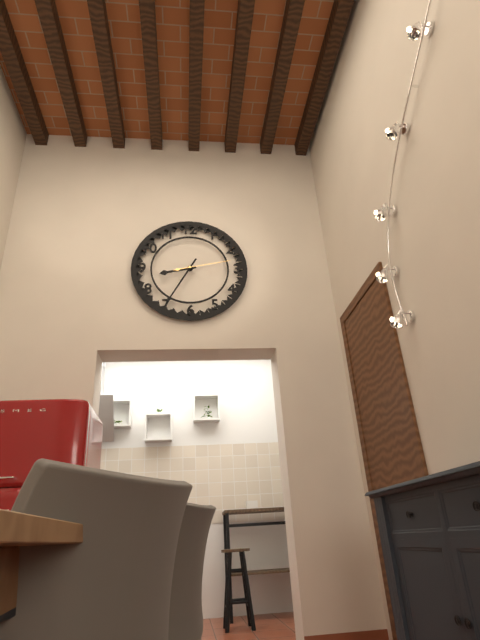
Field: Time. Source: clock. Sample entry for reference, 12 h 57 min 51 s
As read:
8 h 35 min 13 s
